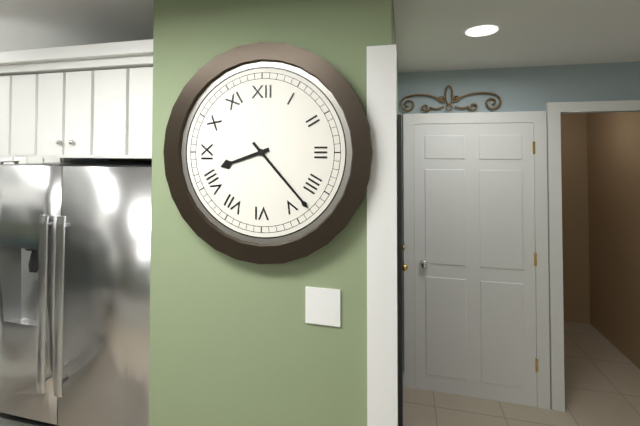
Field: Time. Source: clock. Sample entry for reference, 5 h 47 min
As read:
8 h 23 min
